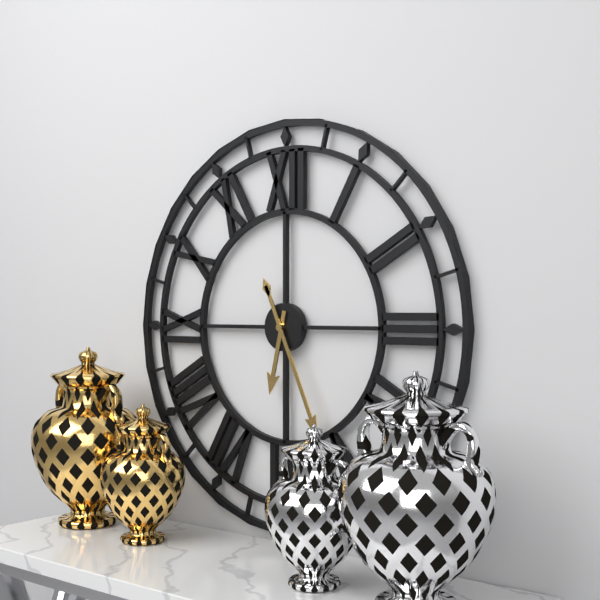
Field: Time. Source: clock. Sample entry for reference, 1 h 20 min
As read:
6 h 26 min
